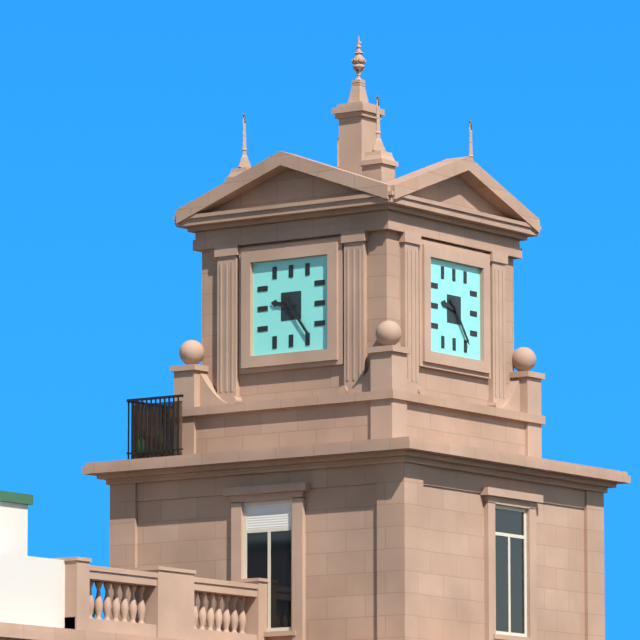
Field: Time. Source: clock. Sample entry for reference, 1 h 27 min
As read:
9 h 24 min
